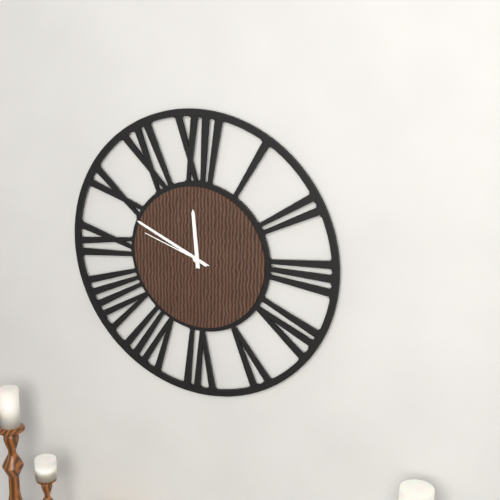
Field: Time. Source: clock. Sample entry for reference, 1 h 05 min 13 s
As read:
11 h 49 min 48 s
